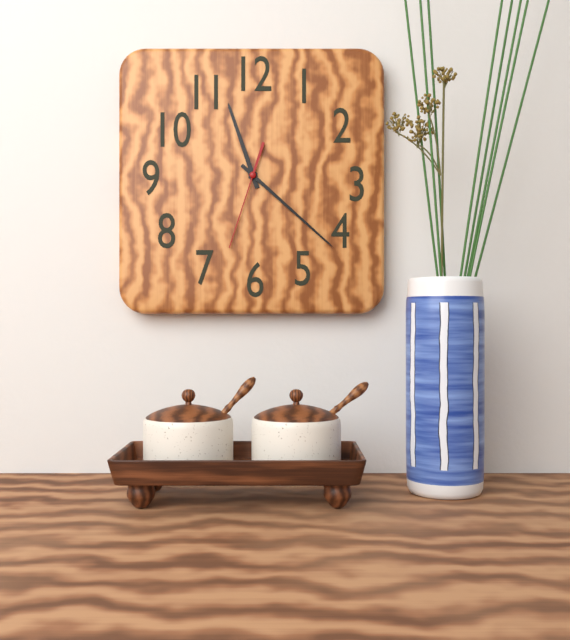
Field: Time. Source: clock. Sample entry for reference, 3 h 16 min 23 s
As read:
11 h 22 min 33 s
